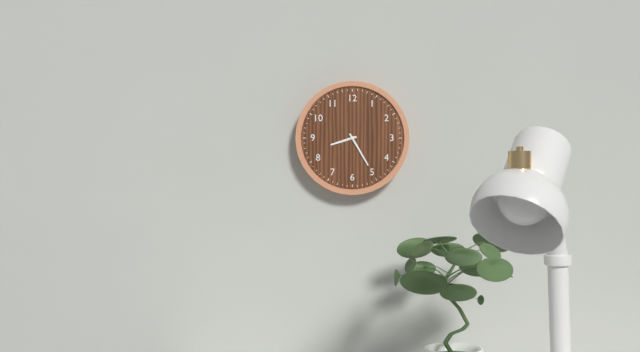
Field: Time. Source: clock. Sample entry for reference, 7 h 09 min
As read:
8 h 25 min
